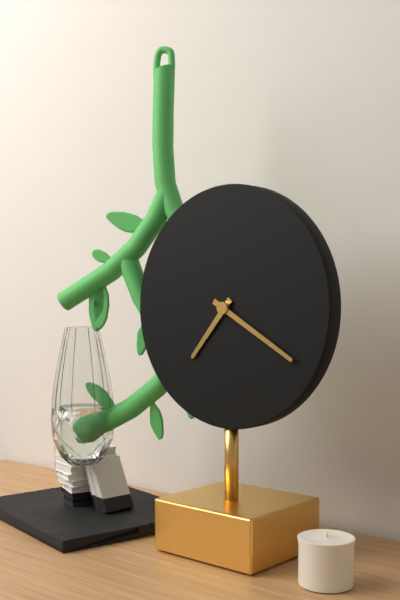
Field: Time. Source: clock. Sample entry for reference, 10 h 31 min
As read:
7 h 20 min
